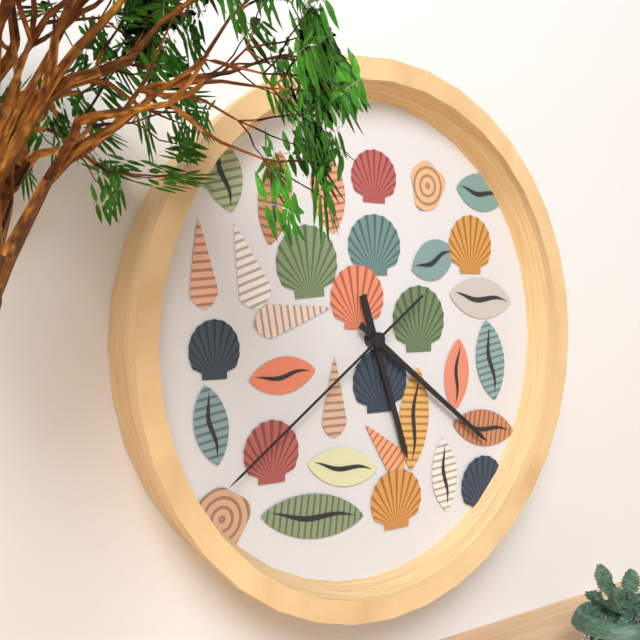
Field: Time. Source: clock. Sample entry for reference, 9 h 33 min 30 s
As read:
5 h 21 min 39 s
